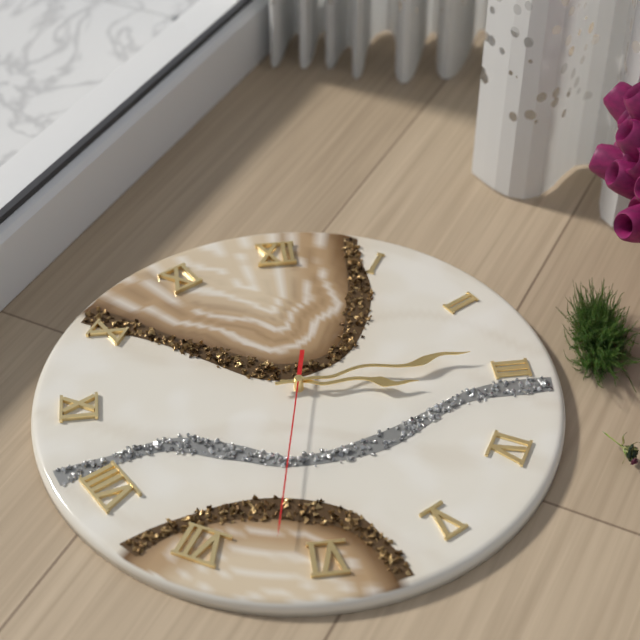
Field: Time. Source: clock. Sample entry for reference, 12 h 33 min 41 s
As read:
3 h 14 min 32 s
